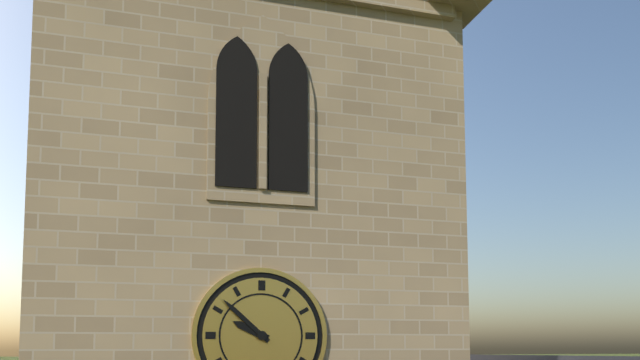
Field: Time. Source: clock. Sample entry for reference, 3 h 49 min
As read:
9 h 52 min
